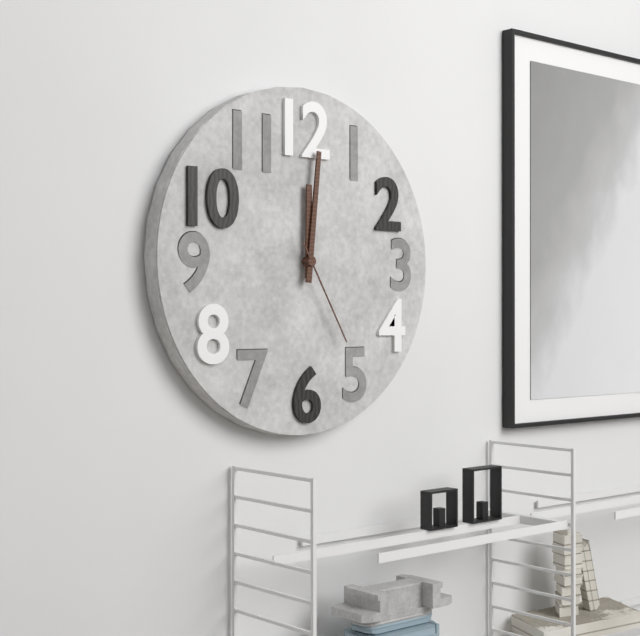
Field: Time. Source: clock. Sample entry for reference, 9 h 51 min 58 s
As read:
12 h 01 min 25 s
